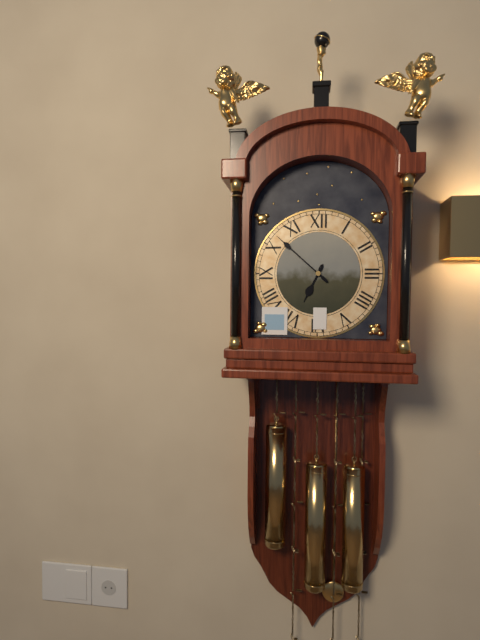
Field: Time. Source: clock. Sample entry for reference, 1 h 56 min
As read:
6 h 52 min
